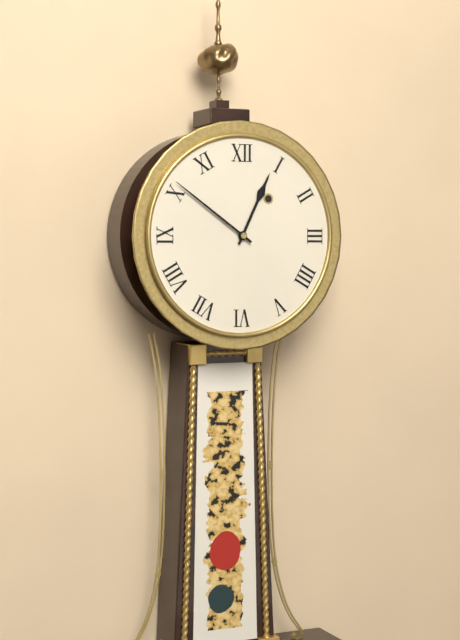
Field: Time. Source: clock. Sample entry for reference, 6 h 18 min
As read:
12 h 51 min
